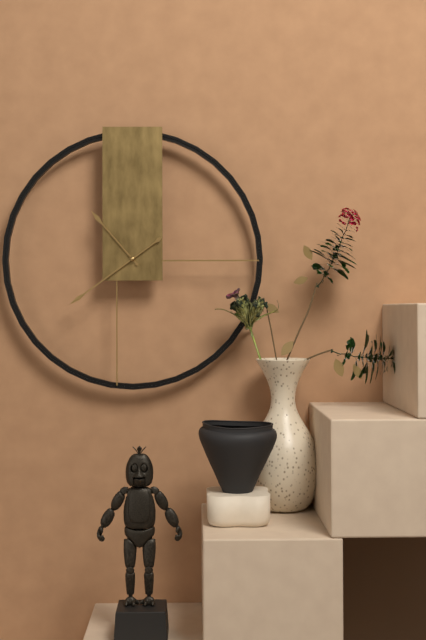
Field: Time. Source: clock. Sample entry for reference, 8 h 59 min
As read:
10 h 39 min
